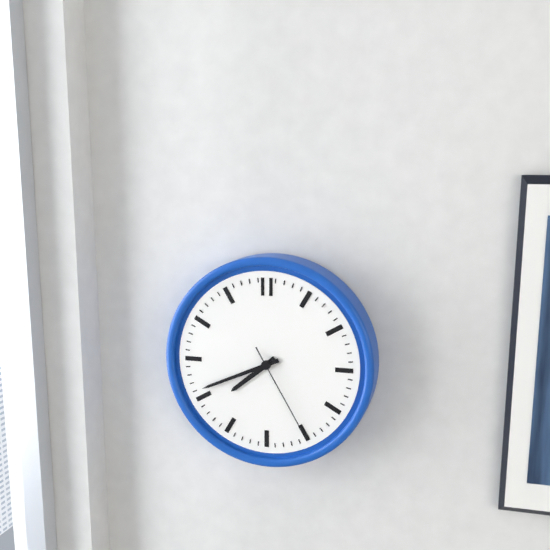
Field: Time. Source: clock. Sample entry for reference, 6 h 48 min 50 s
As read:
7 h 41 min 25 s
